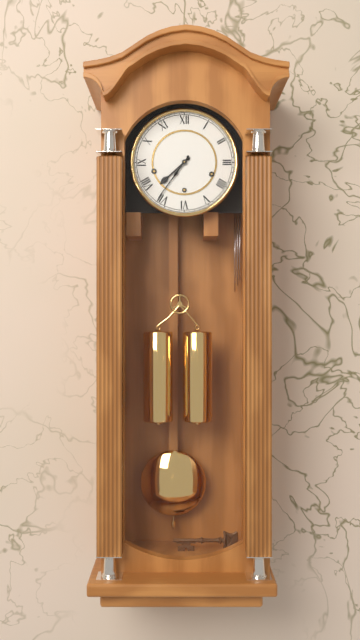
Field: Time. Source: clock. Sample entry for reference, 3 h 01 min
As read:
7 h 36 min
